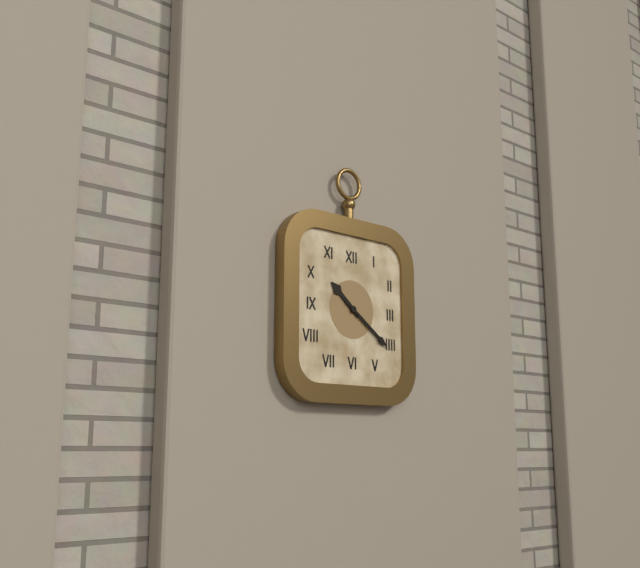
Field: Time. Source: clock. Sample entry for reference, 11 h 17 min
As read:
10 h 21 min
